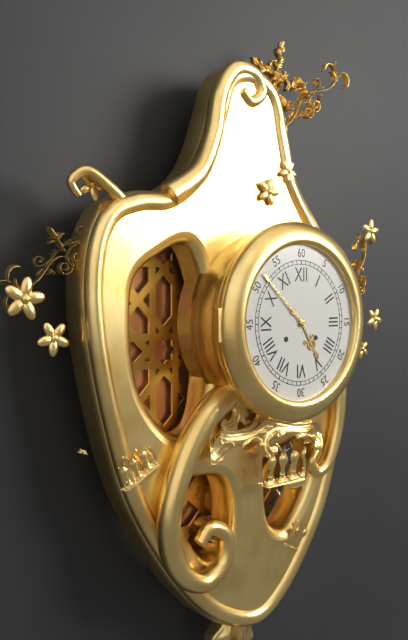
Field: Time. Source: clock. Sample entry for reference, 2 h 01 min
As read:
4 h 52 min
